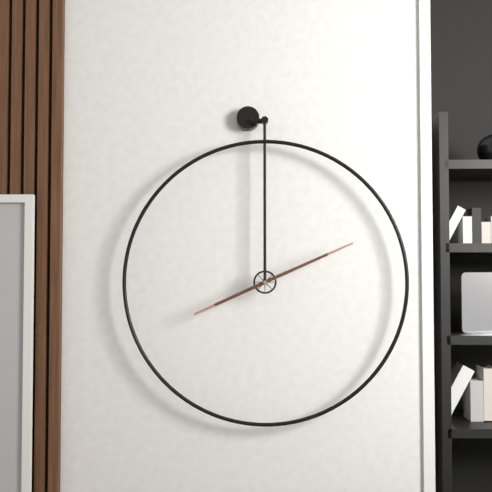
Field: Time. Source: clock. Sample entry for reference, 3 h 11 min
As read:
8 h 11 min
